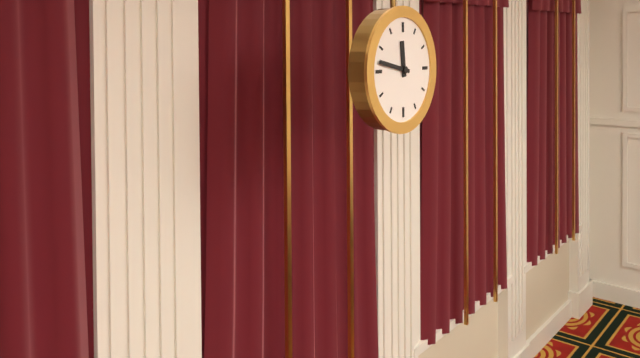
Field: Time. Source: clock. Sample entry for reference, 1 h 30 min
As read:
11 h 47 min
